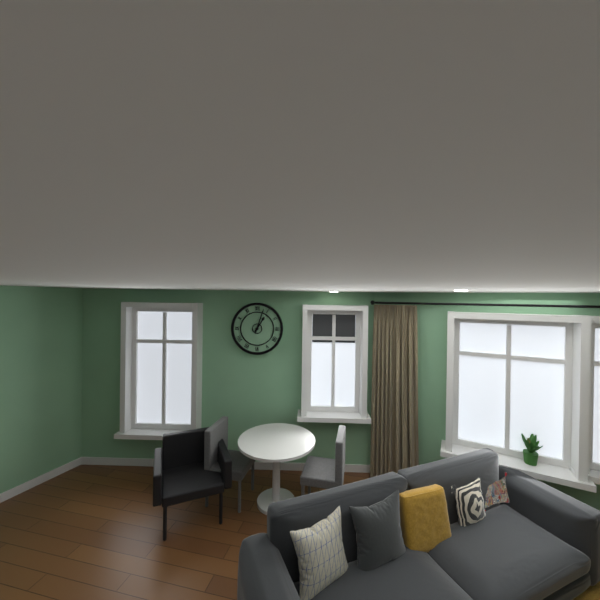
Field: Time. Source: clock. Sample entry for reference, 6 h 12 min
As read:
1 h 03 min
